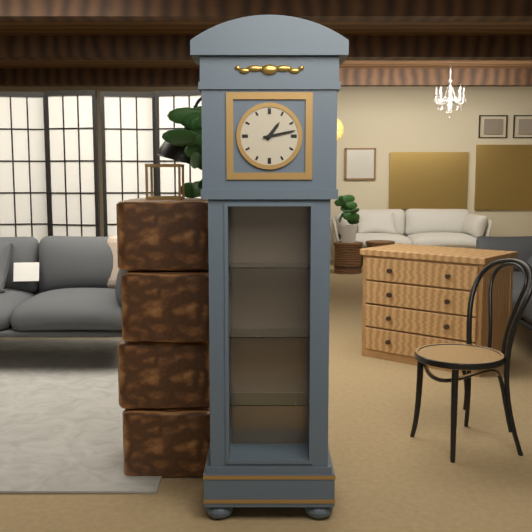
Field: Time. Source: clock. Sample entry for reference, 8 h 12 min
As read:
1 h 13 min
